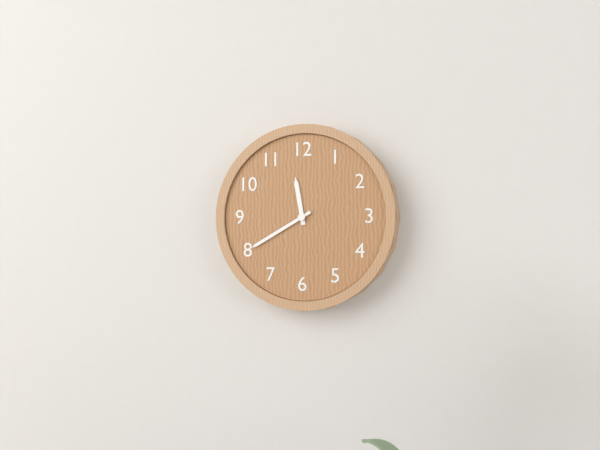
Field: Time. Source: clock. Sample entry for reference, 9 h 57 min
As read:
11 h 40 min
